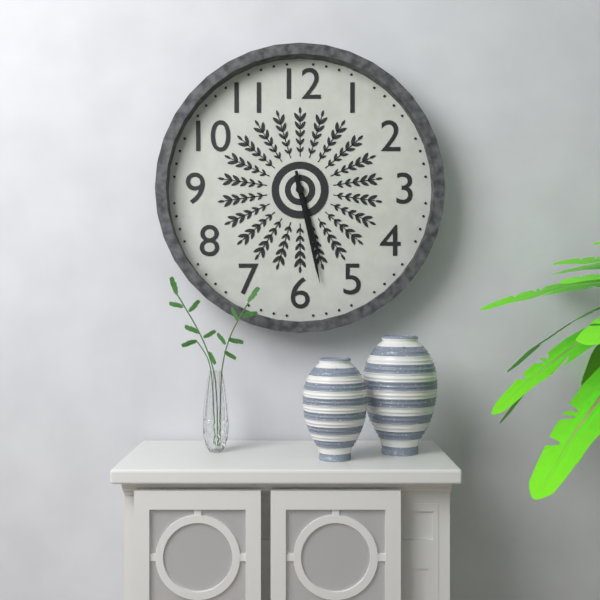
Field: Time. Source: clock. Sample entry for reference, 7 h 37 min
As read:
5 h 28 min
